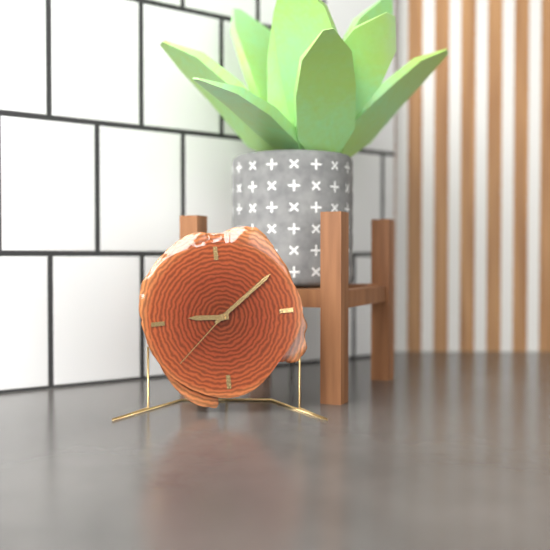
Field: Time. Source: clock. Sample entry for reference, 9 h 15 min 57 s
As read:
9 h 09 min 38 s
